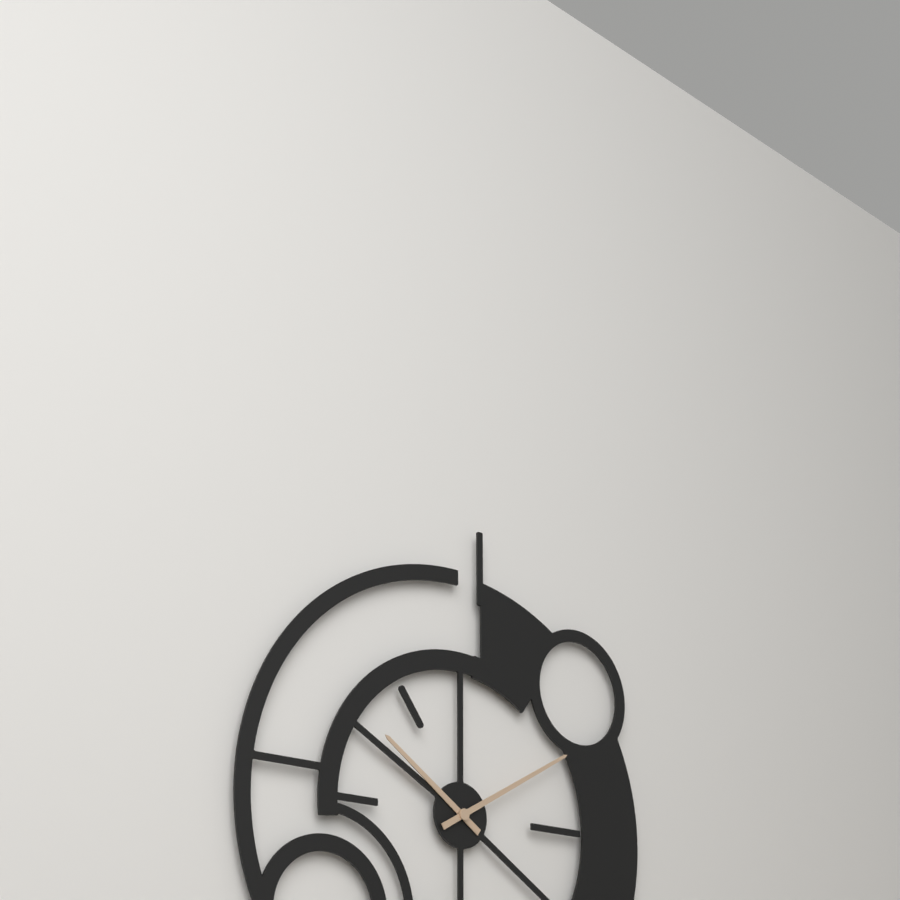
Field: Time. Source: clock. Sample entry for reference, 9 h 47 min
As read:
10 h 10 min
